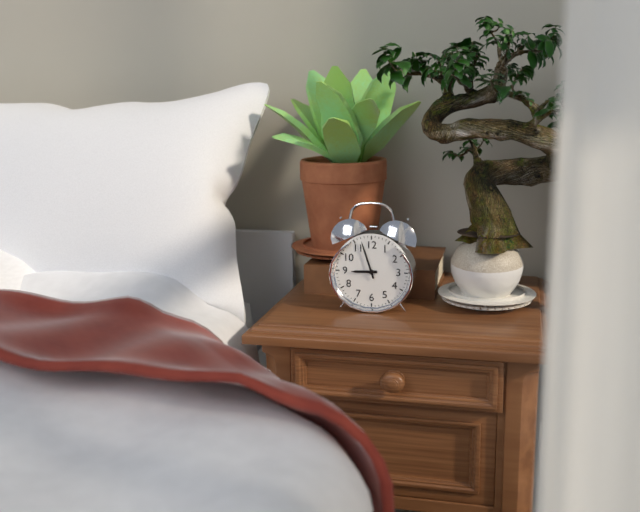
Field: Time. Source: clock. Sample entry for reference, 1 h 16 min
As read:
8 h 57 min
